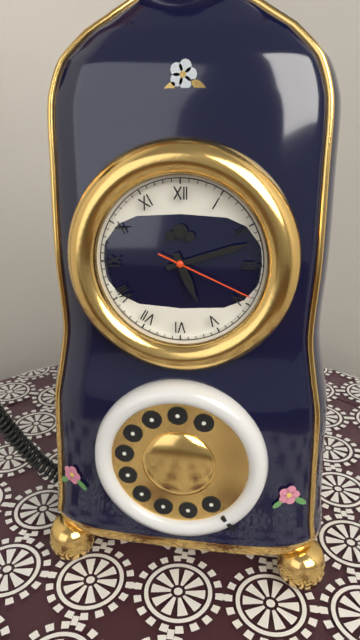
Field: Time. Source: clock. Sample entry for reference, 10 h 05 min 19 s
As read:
5 h 12 min 19 s
